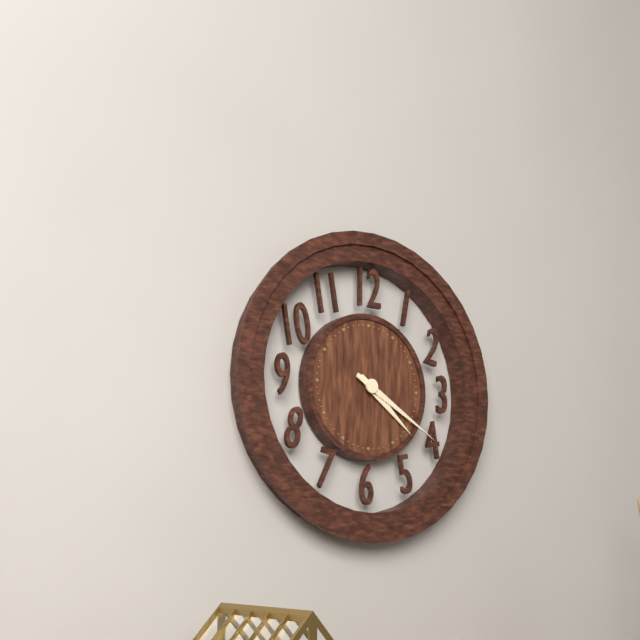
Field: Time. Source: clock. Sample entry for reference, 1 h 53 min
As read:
4 h 20 min
